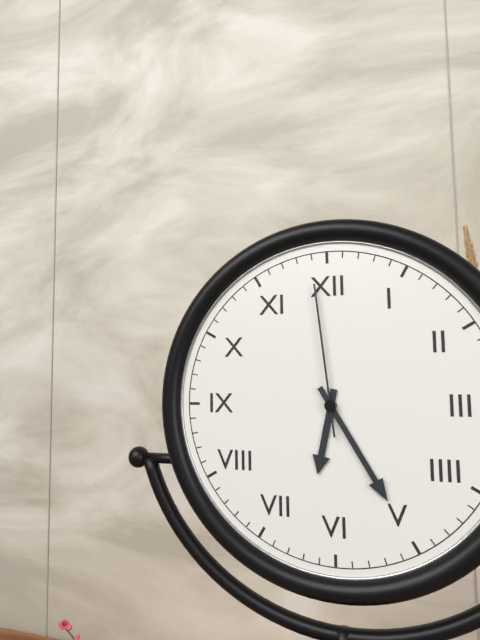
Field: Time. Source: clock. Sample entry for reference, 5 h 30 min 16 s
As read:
6 h 25 min 59 s
